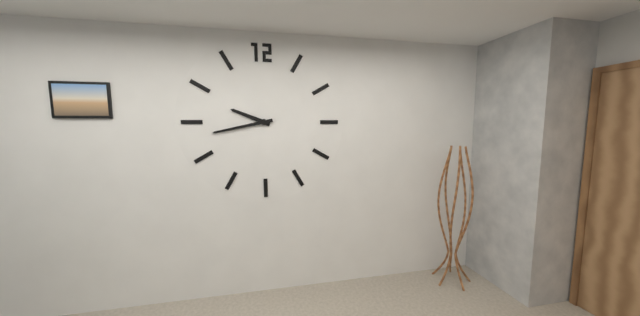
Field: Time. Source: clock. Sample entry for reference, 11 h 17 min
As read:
9 h 43 min
